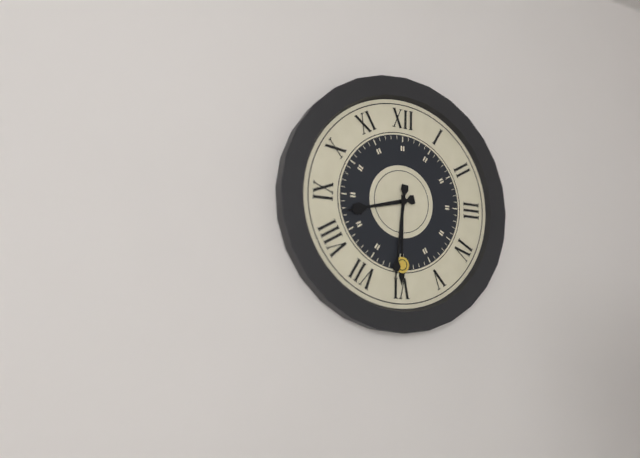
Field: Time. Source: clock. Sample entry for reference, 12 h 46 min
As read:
8 h 31 min
